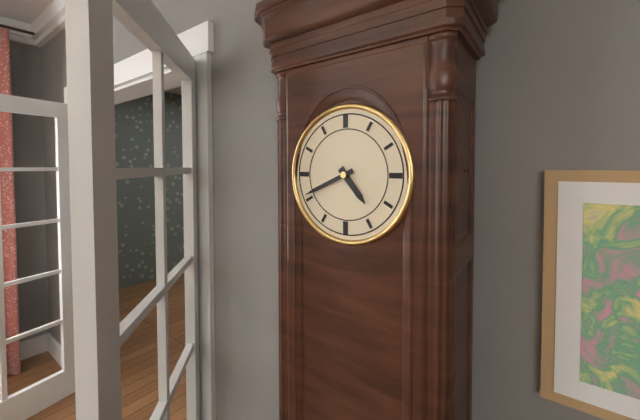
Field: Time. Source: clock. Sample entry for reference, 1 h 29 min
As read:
4 h 41 min
